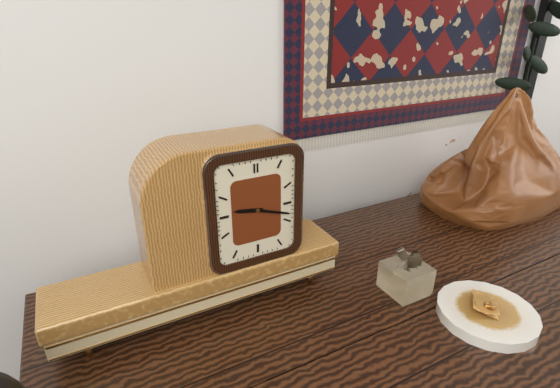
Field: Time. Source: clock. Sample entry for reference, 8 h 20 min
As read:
9 h 18 min
